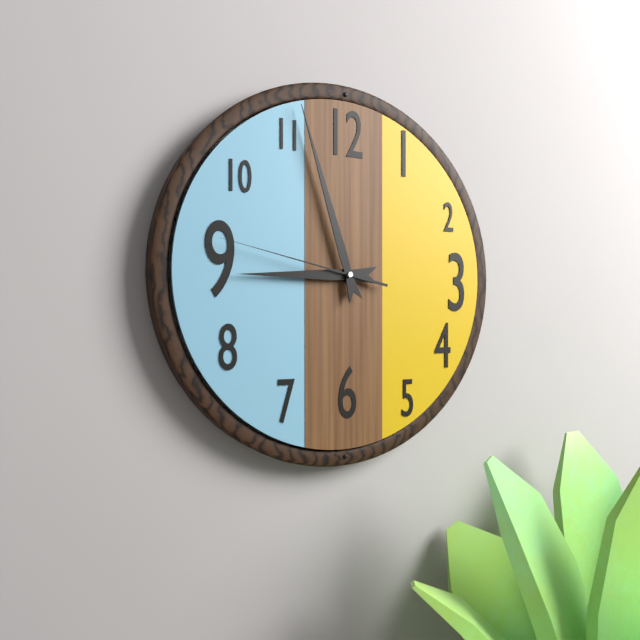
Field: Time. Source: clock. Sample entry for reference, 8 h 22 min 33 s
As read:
8 h 57 min 47 s
